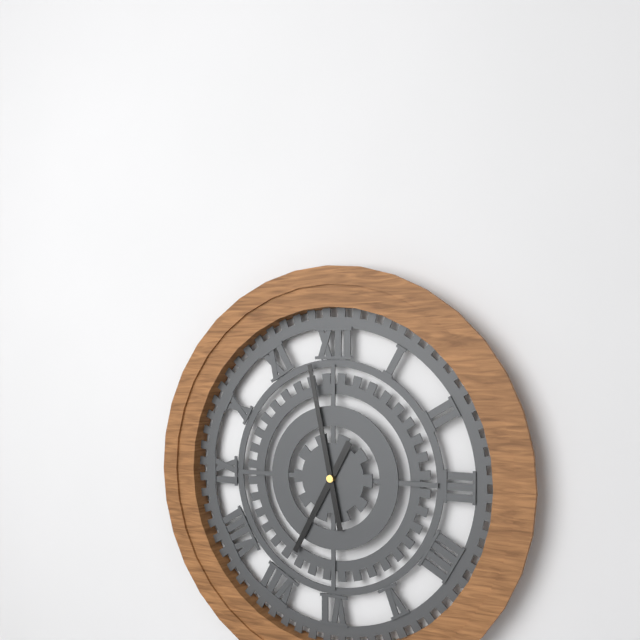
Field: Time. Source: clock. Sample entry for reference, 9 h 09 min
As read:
6 h 58 min
